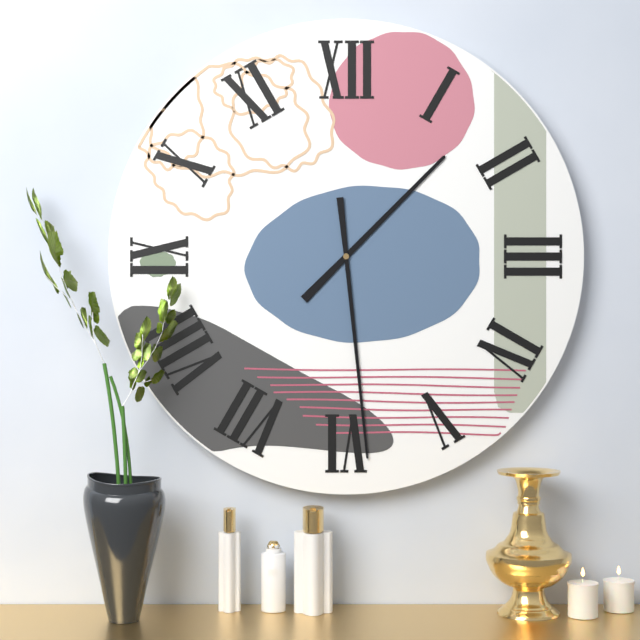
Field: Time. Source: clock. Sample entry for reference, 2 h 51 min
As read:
1 h 29 min
